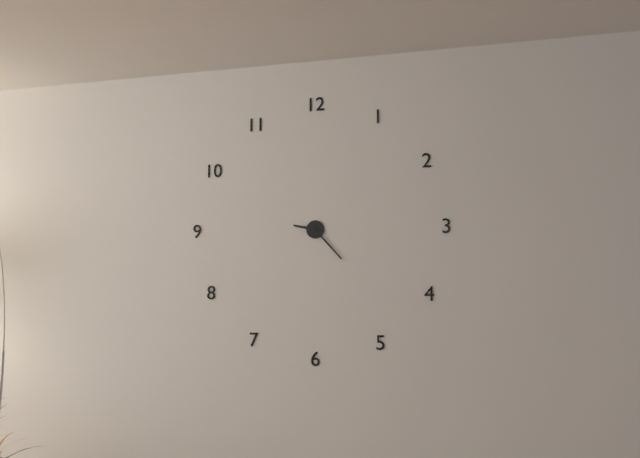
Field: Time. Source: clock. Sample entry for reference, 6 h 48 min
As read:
9 h 23 min
